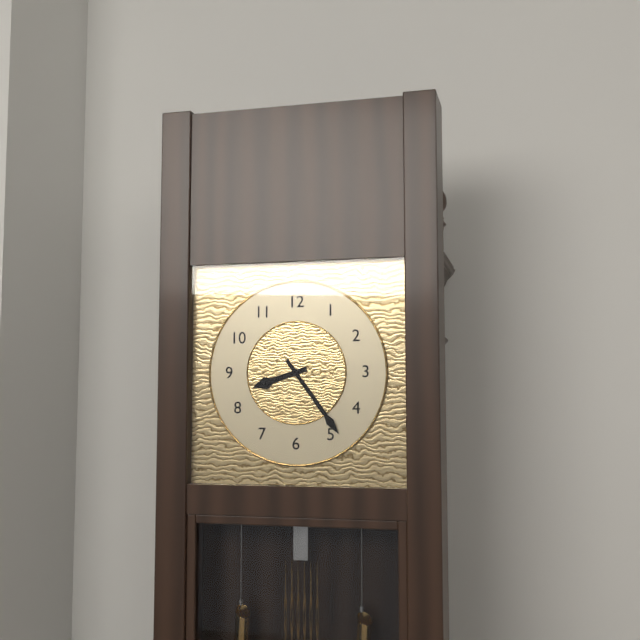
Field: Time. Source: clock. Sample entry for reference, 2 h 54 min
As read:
8 h 24 min
